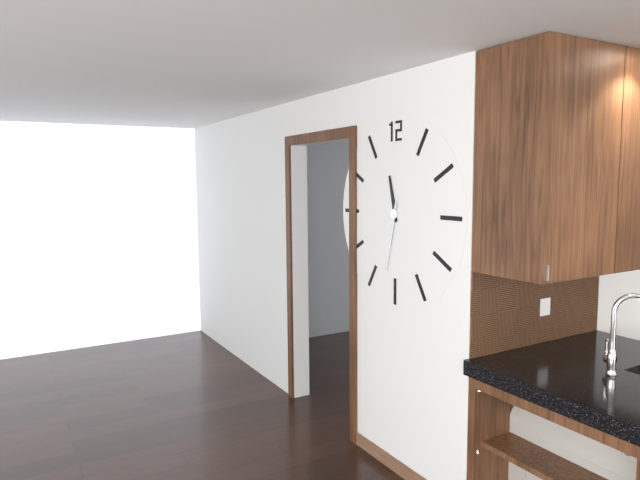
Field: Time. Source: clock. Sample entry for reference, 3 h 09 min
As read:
11 h 32 min
